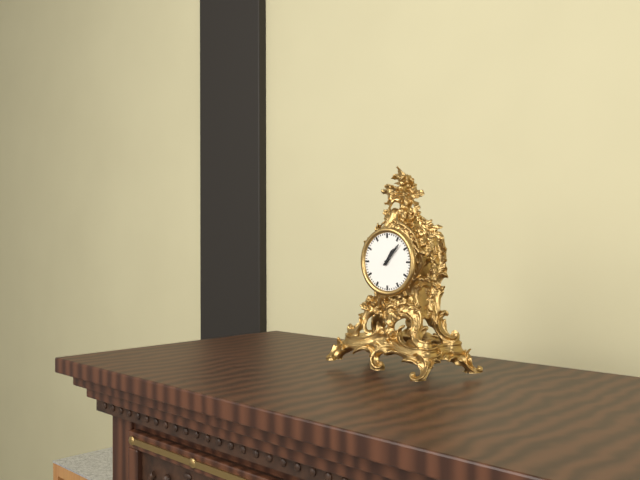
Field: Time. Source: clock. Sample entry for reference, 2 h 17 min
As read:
1 h 07 min
